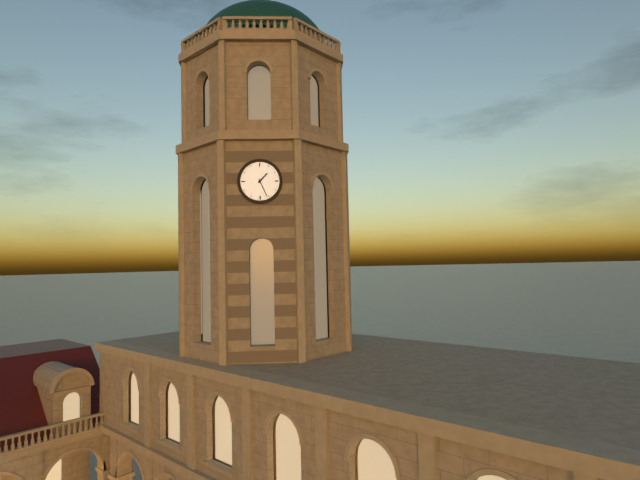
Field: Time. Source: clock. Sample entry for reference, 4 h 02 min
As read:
1 h 26 min
